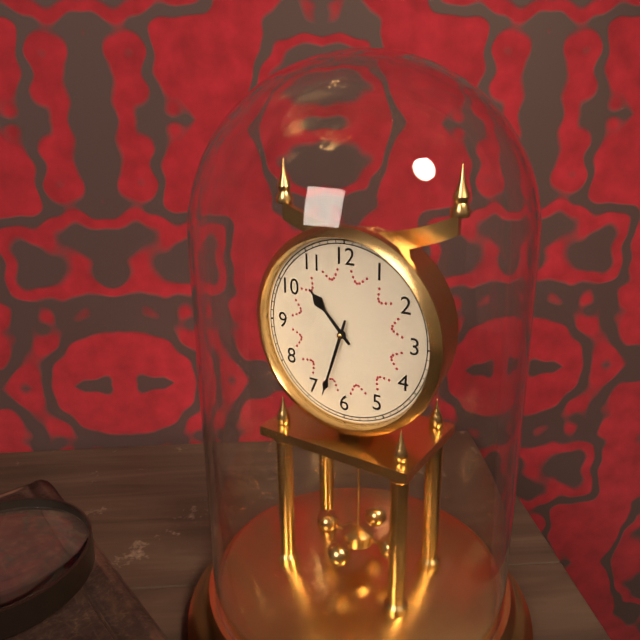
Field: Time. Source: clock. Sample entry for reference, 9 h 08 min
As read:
10 h 33 min
